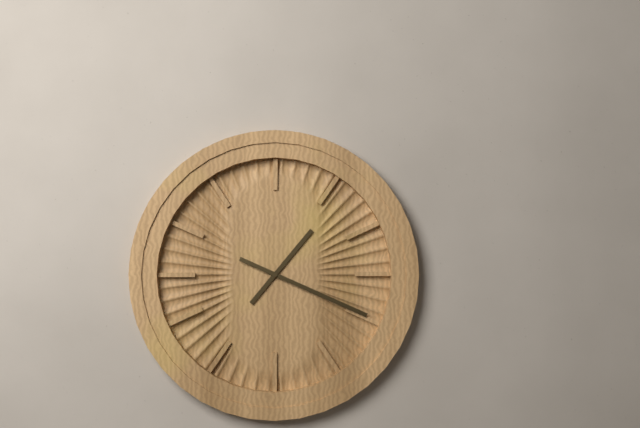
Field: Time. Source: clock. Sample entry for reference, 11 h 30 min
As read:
1 h 19 min
